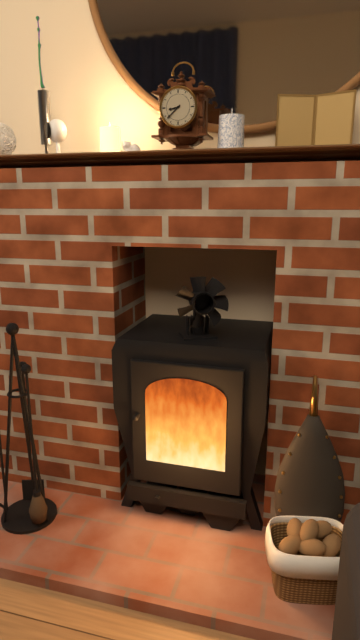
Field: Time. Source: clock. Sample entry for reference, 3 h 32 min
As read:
8 h 38 min
